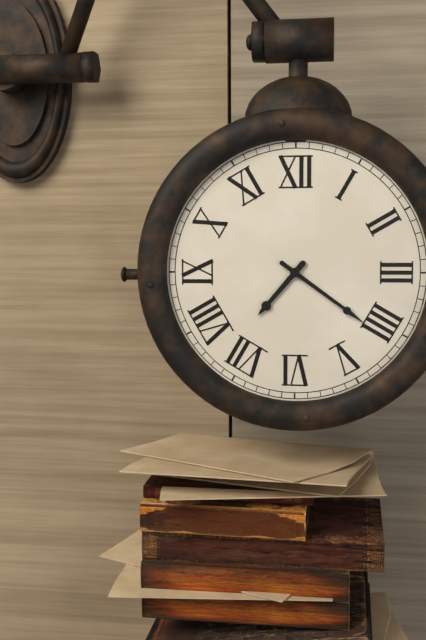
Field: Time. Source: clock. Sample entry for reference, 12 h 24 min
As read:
7 h 21 min
